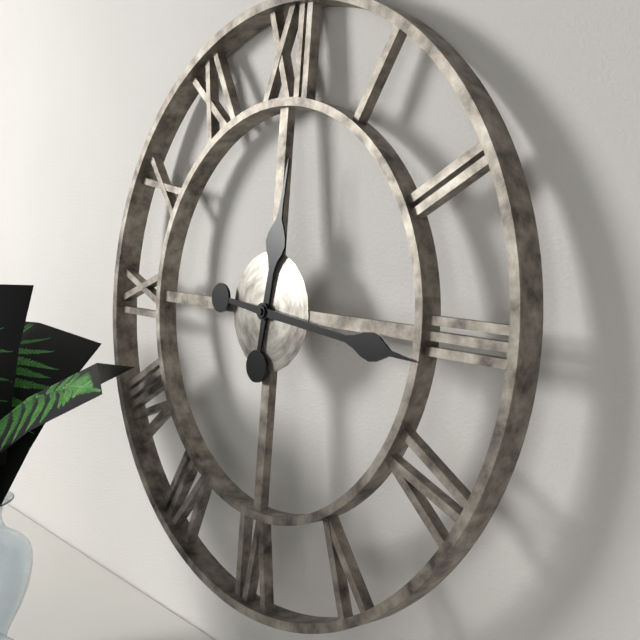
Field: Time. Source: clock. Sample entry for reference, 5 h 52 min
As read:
12 h 16 min
